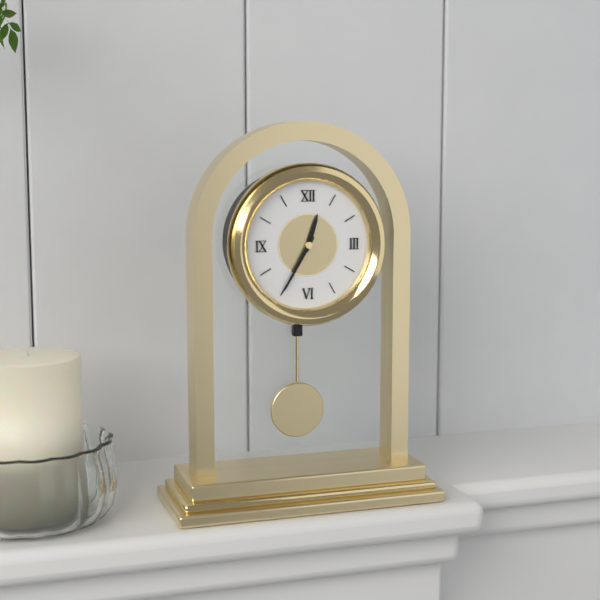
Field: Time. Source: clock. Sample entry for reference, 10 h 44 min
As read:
12 h 35 min
